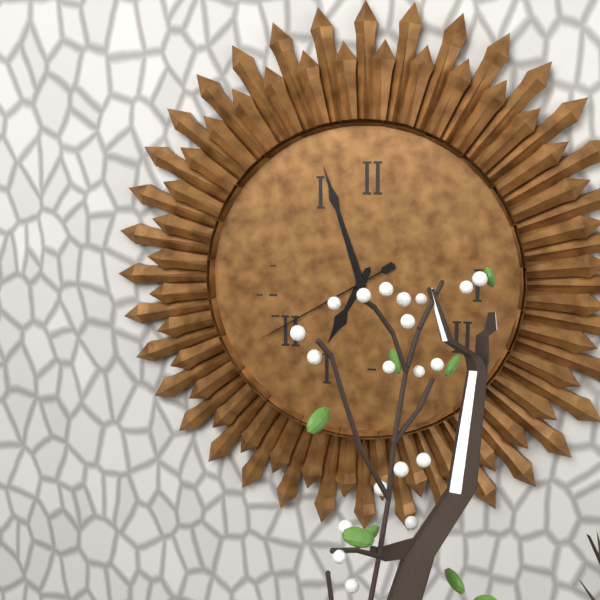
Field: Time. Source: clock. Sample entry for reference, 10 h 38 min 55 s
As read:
6 h 57 min 40 s
